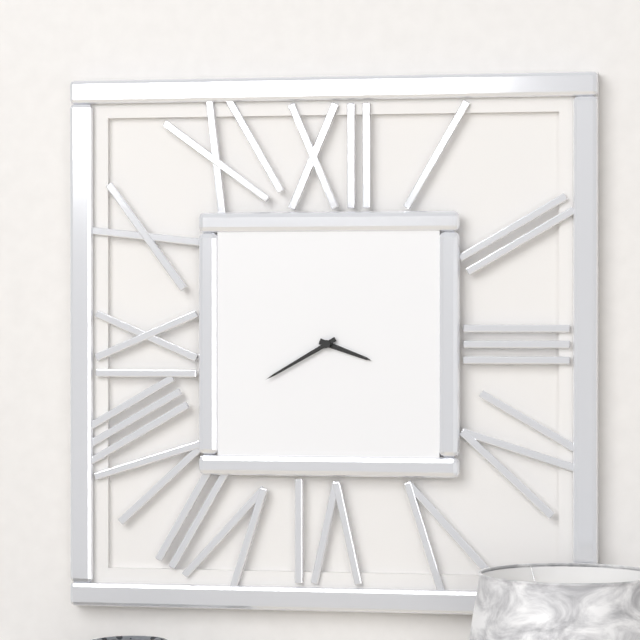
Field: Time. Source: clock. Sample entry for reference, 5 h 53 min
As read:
3 h 40 min
